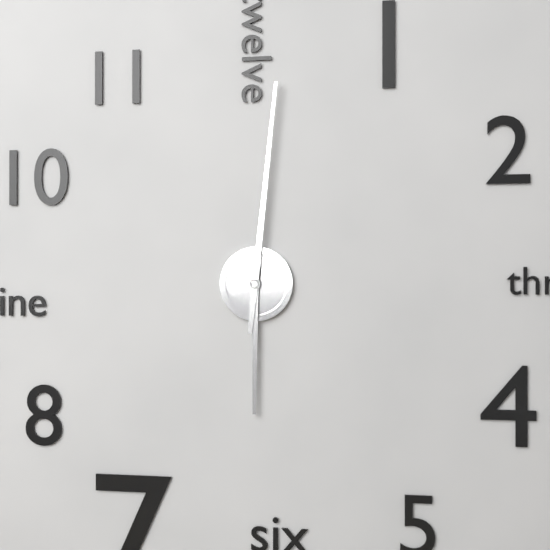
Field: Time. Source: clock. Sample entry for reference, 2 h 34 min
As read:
6 h 01 min
